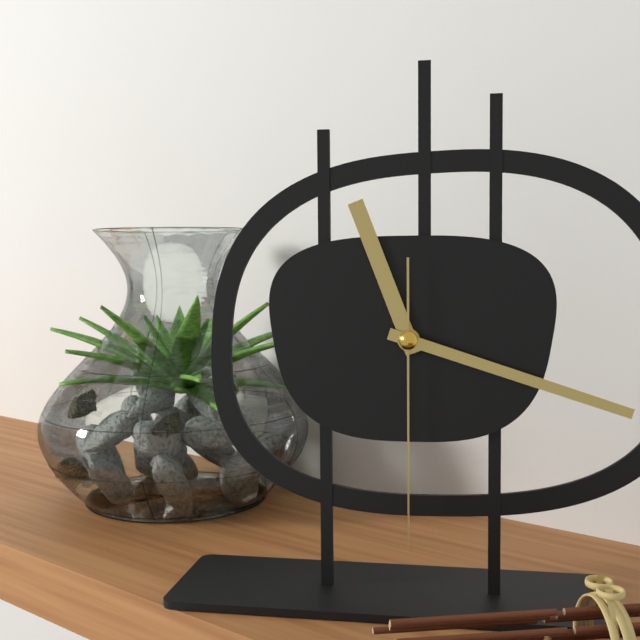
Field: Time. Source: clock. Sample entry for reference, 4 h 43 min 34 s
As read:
11 h 18 min 30 s
